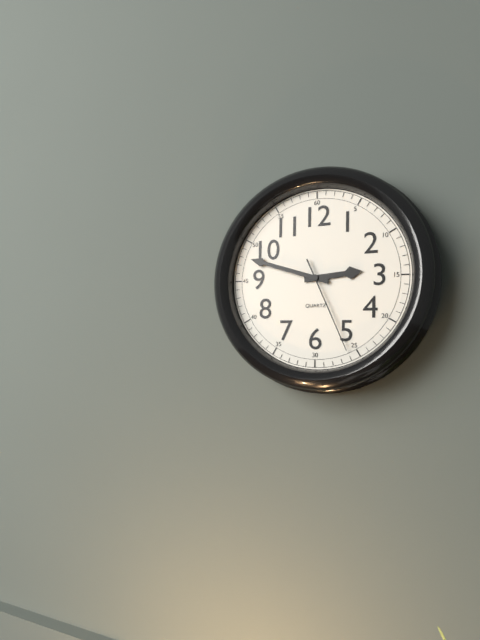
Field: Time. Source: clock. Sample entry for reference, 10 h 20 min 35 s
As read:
2 h 48 min 26 s
